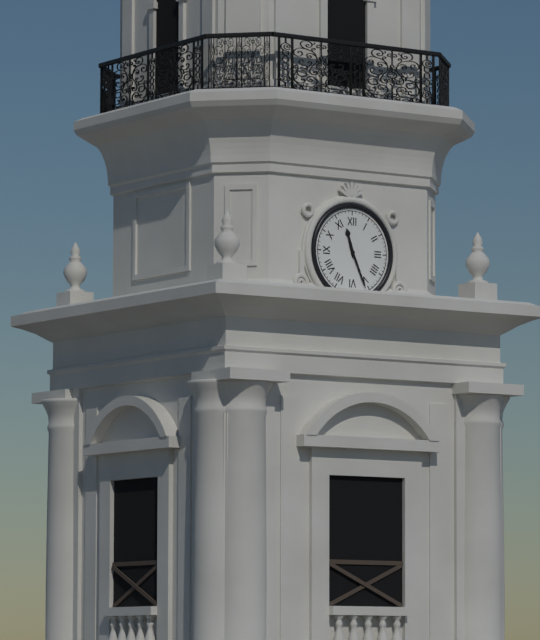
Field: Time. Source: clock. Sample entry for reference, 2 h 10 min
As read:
11 h 26 min
